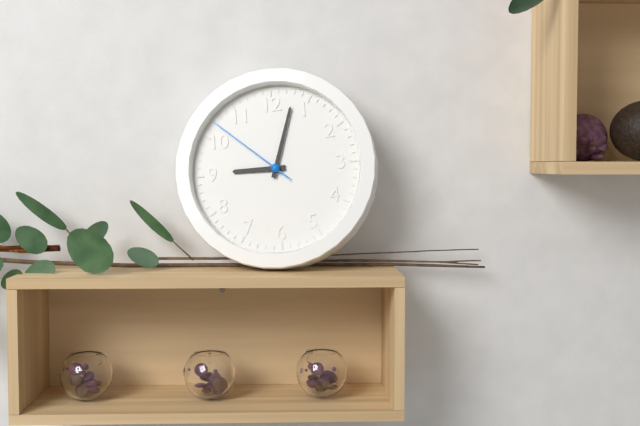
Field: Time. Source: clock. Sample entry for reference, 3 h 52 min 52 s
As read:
9 h 03 min 52 s
